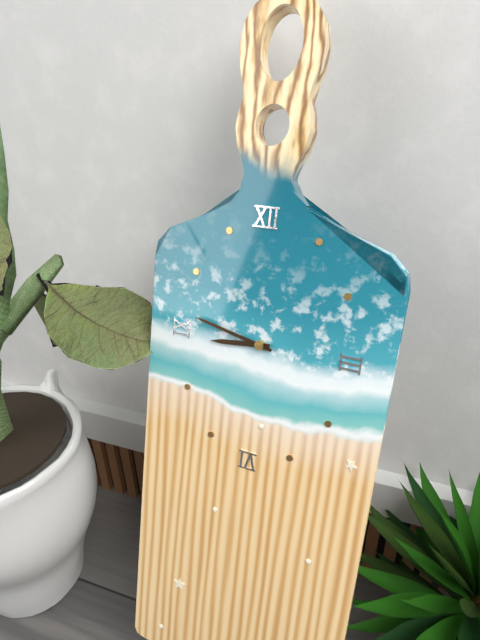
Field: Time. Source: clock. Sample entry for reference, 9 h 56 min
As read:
8 h 47 min
